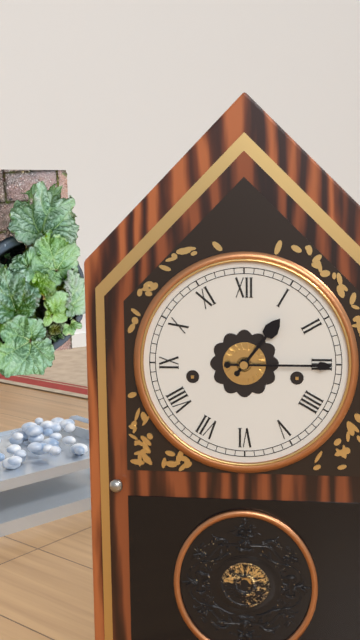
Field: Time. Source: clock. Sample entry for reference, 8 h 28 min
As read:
1 h 15 min
